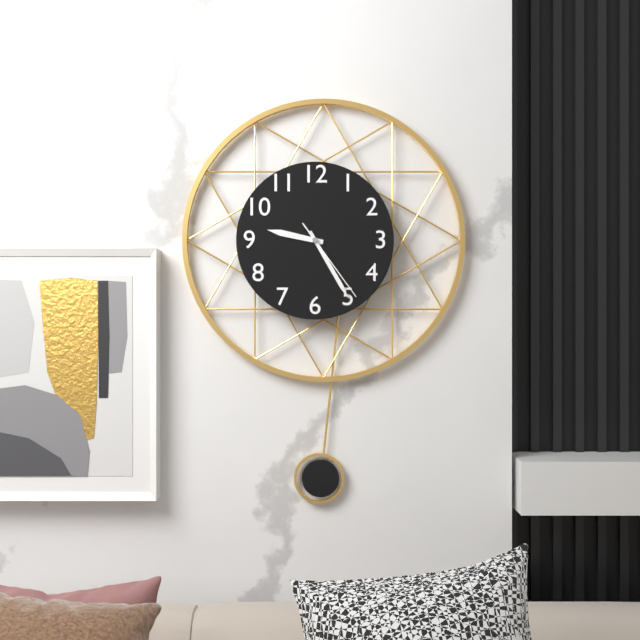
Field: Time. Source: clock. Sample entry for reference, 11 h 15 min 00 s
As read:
9 h 25 min 24 s
